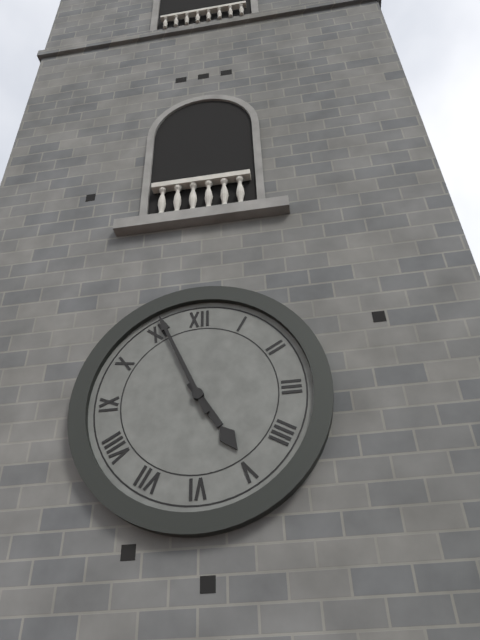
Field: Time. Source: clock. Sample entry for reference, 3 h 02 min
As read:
4 h 56 min
